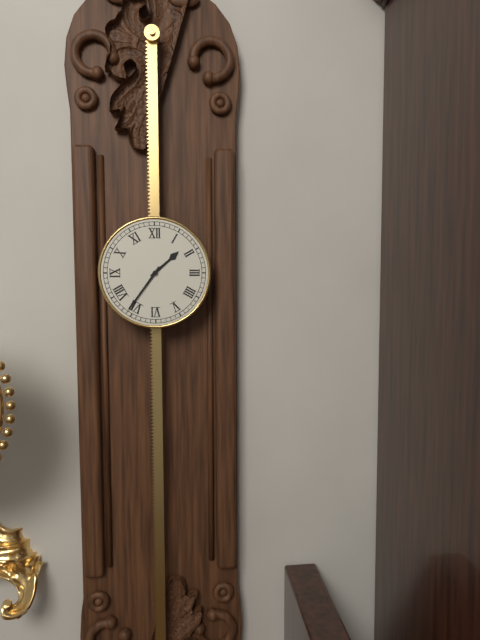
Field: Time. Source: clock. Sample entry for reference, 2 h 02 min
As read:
1 h 36 min
